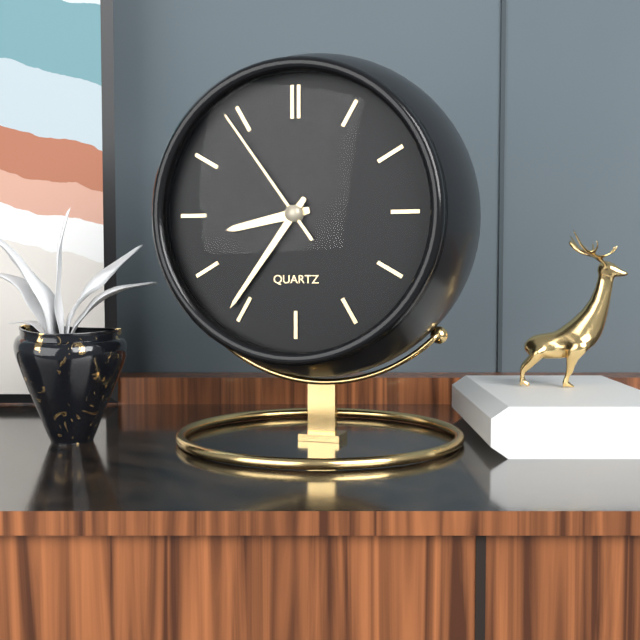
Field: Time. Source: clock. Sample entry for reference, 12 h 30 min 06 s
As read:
8 h 36 min 54 s
